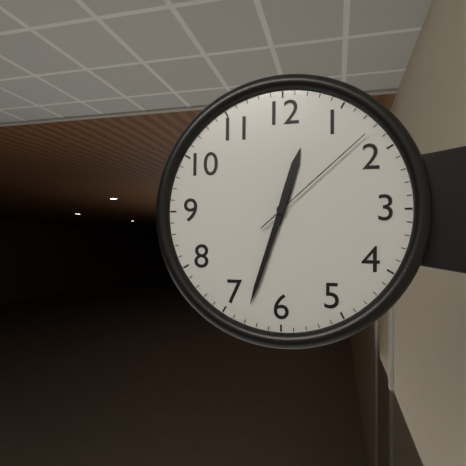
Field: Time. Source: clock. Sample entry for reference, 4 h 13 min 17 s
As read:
12 h 33 min 08 s
